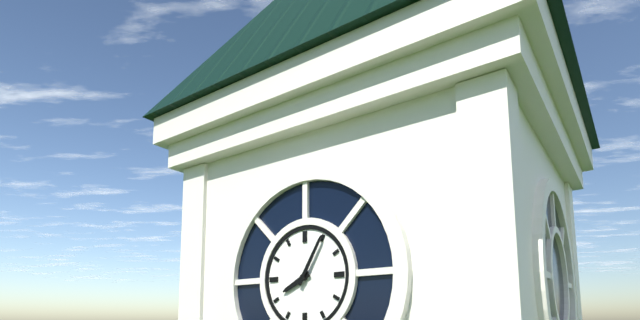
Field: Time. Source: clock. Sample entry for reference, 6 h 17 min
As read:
8 h 05 min
